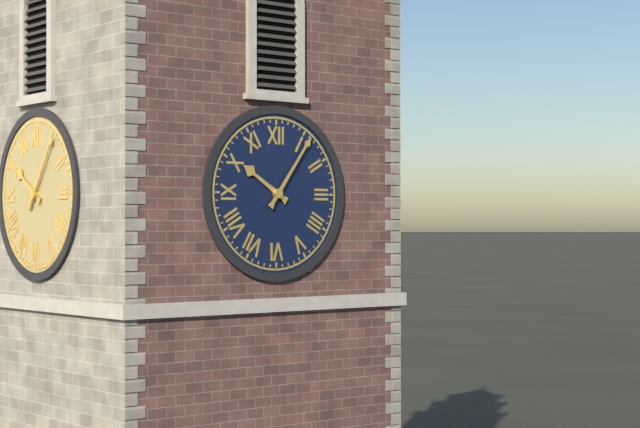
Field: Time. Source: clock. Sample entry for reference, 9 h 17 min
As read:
10 h 06 min
